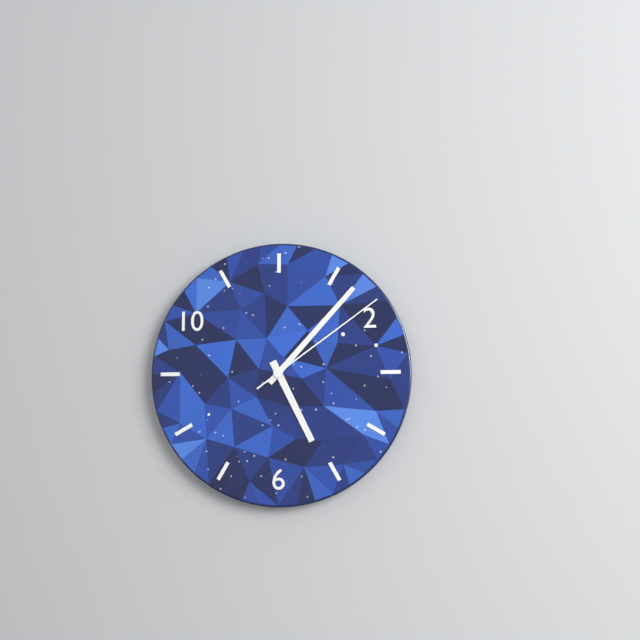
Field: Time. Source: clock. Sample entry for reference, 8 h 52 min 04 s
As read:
5 h 07 min 09 s
